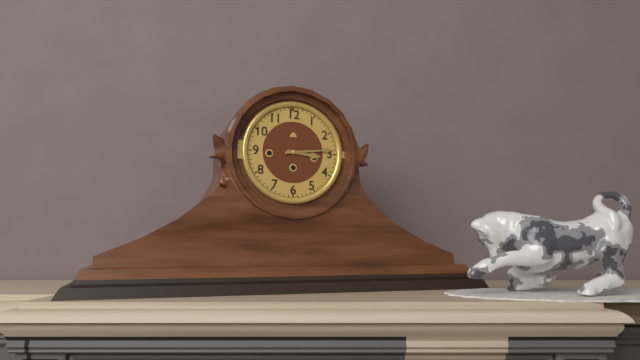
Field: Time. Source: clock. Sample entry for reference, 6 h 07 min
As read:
3 h 14 min
